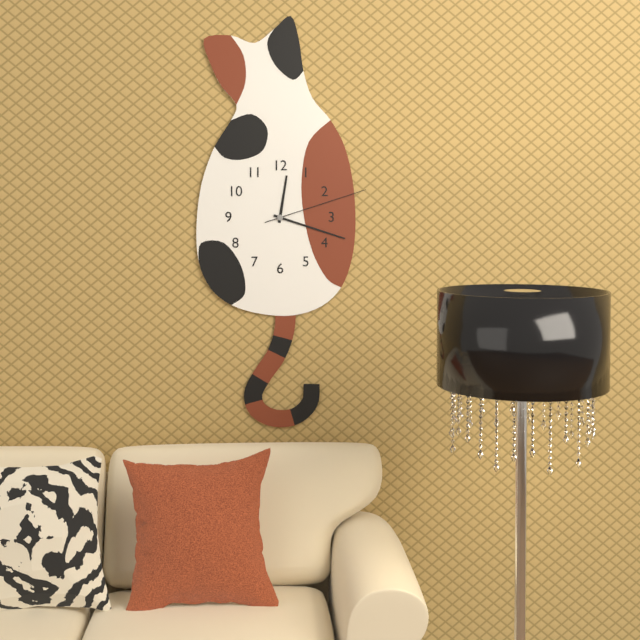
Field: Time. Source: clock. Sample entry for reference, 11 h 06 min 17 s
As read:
12 h 18 min 12 s
